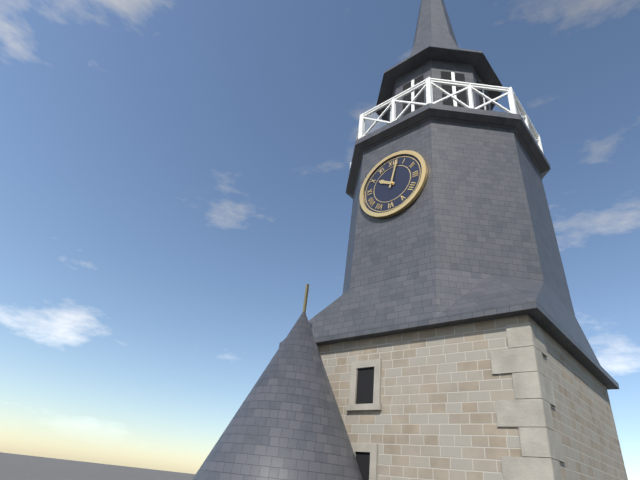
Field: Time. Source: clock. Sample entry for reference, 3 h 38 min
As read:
10 h 02 min
